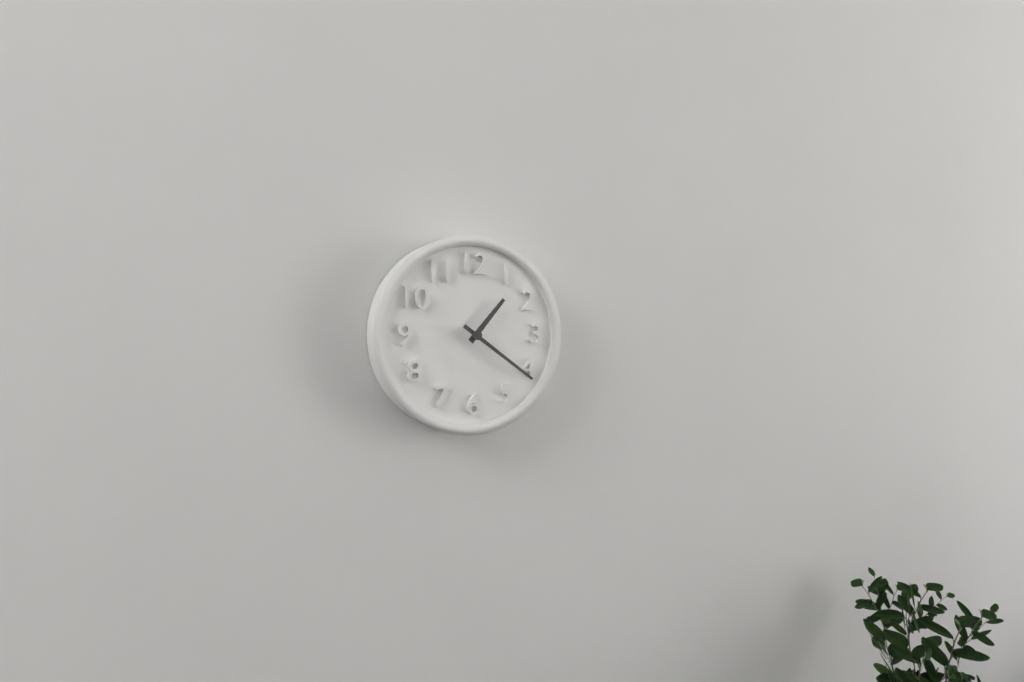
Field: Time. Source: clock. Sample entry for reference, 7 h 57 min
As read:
1 h 21 min
